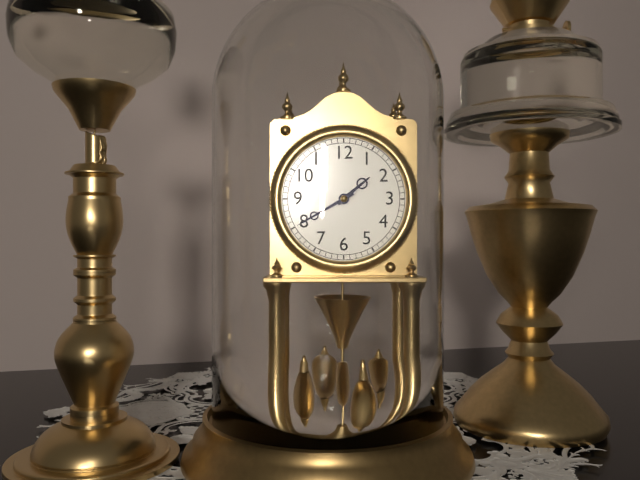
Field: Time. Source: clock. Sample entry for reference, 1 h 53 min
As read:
1 h 40 min
